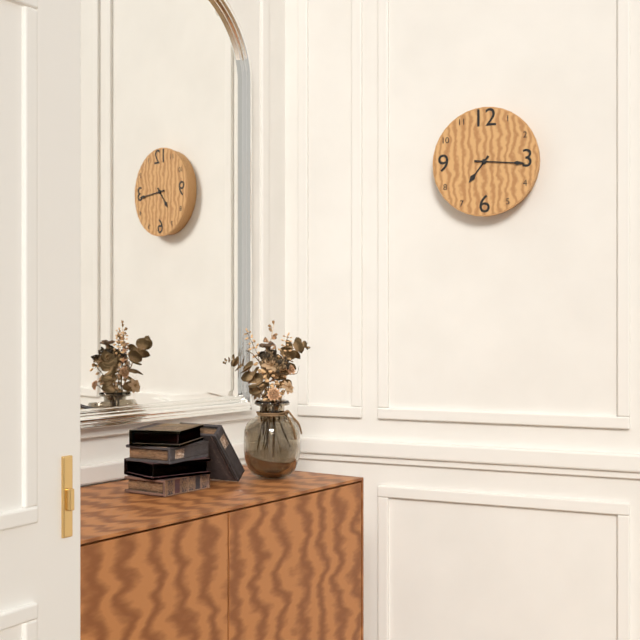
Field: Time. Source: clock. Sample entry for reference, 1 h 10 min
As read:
7 h 16 min
